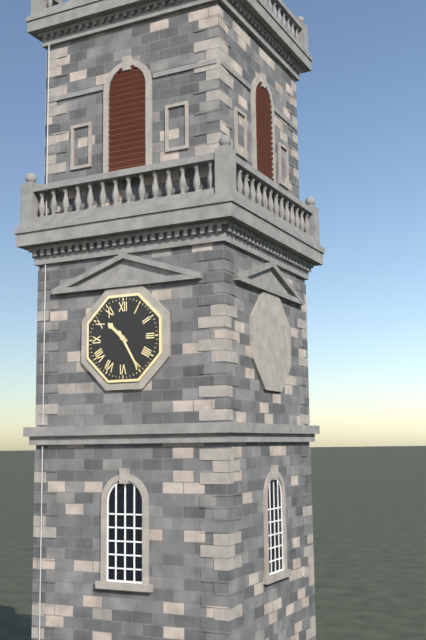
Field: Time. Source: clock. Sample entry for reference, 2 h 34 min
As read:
10 h 25 min
